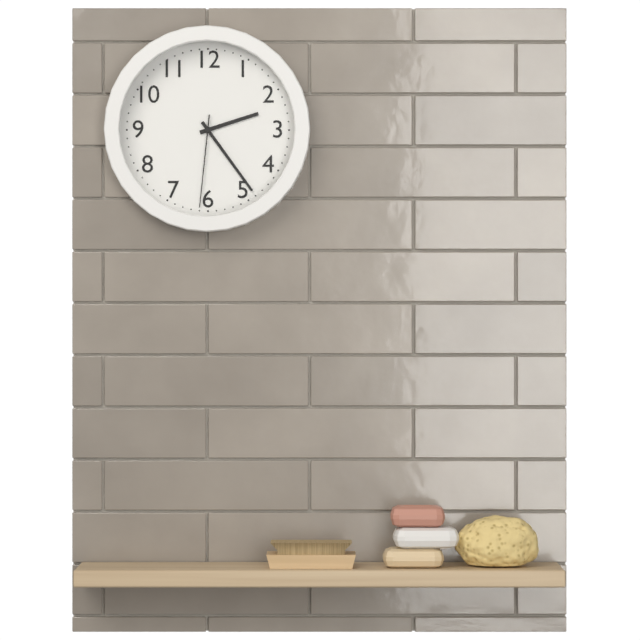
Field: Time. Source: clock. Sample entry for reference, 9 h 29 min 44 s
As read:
2 h 24 min 31 s
